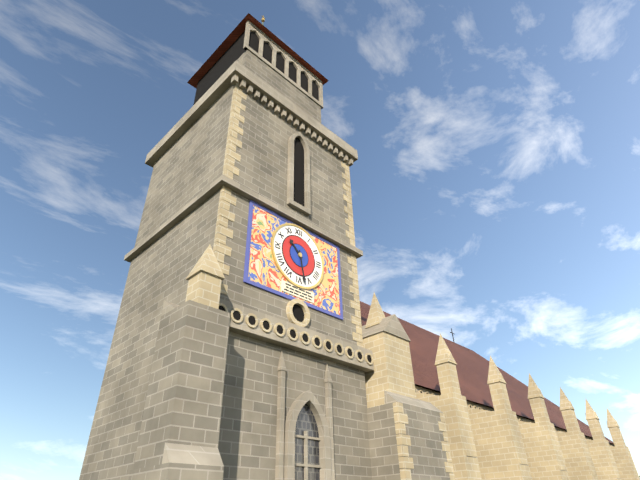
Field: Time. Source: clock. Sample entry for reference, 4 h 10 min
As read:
10 h 28 min
